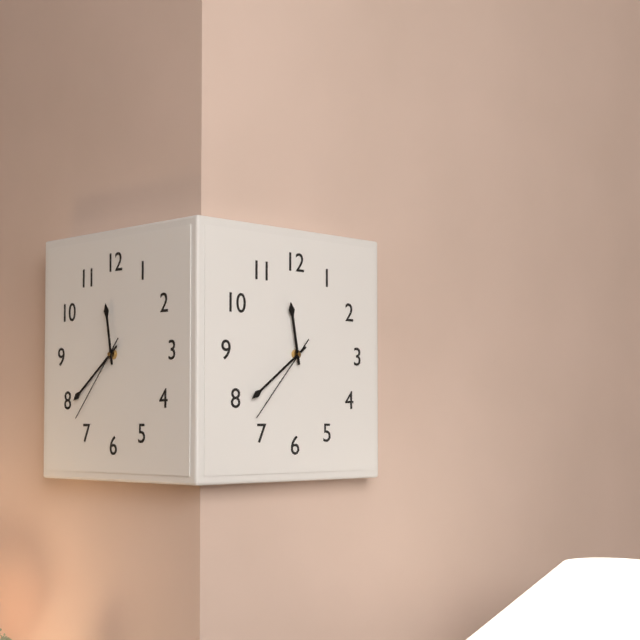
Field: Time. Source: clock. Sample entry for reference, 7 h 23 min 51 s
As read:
11 h 39 min 37 s
